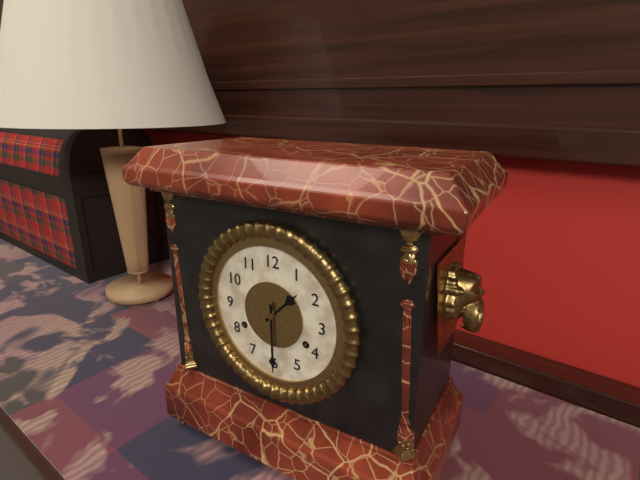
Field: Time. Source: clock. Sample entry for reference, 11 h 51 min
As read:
1 h 30 min
